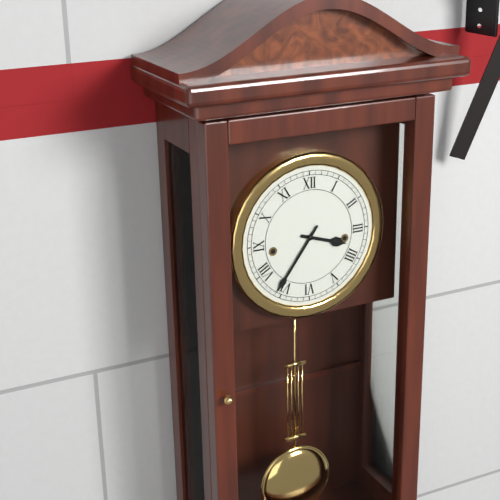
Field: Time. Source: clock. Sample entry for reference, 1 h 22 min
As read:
3 h 36 min
